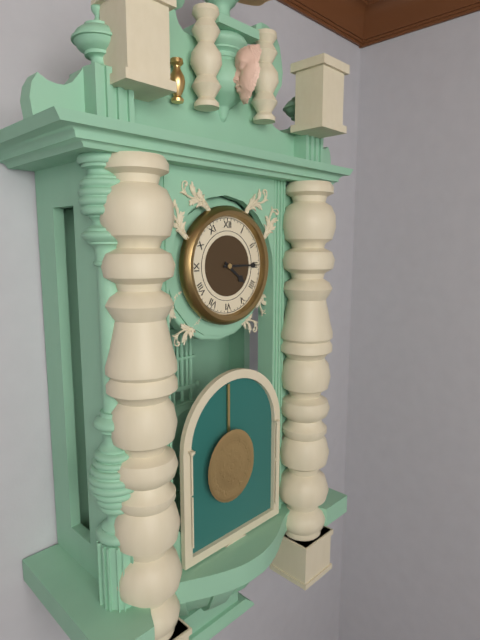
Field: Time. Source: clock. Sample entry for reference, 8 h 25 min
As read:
4 h 15 min
